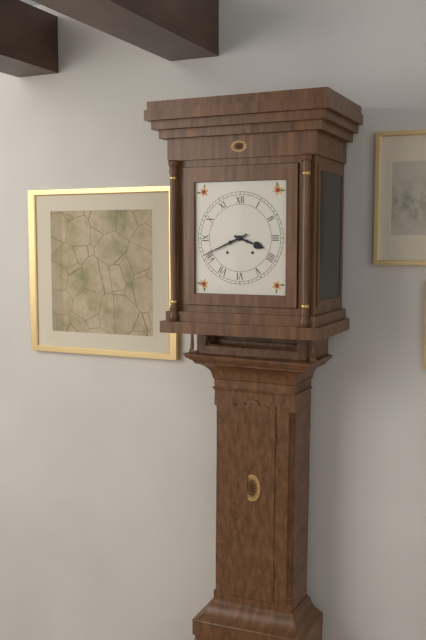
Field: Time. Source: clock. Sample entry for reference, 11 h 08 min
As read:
3 h 41 min
